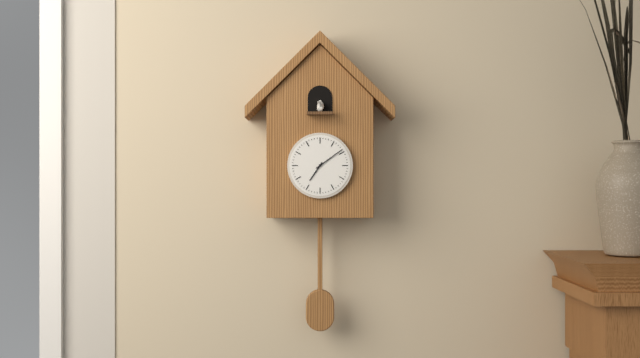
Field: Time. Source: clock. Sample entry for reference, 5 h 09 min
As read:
7 h 09 min
